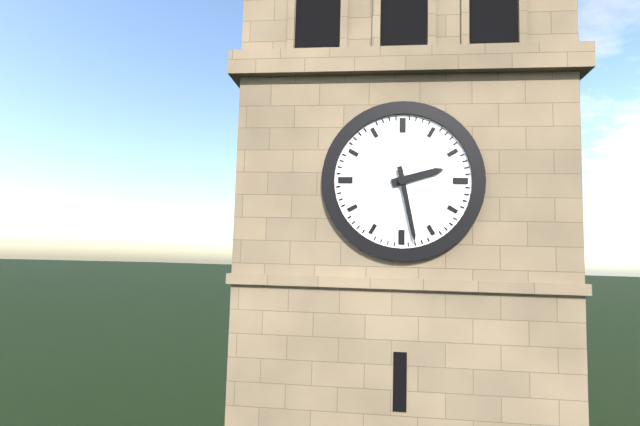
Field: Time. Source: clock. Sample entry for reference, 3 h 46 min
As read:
2 h 28 min
